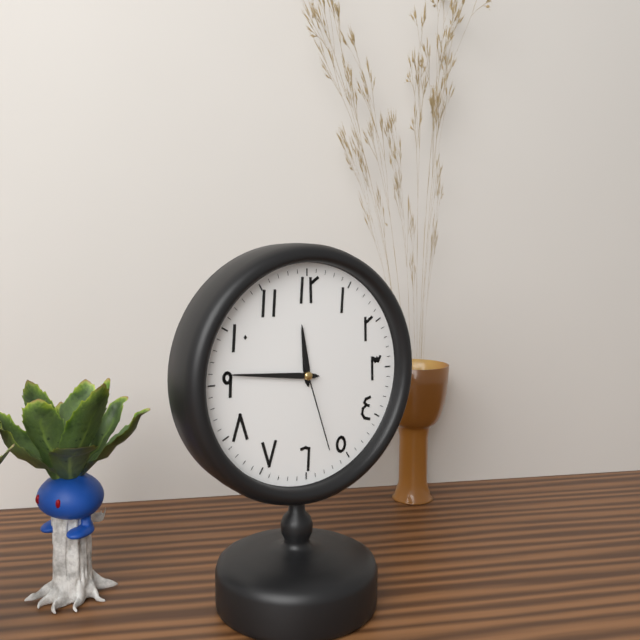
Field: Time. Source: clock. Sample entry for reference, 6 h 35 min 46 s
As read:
11 h 46 min 27 s
